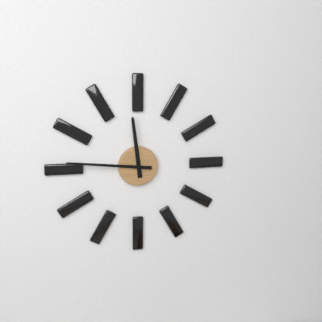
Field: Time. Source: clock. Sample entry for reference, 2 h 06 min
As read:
11 h 46 min
